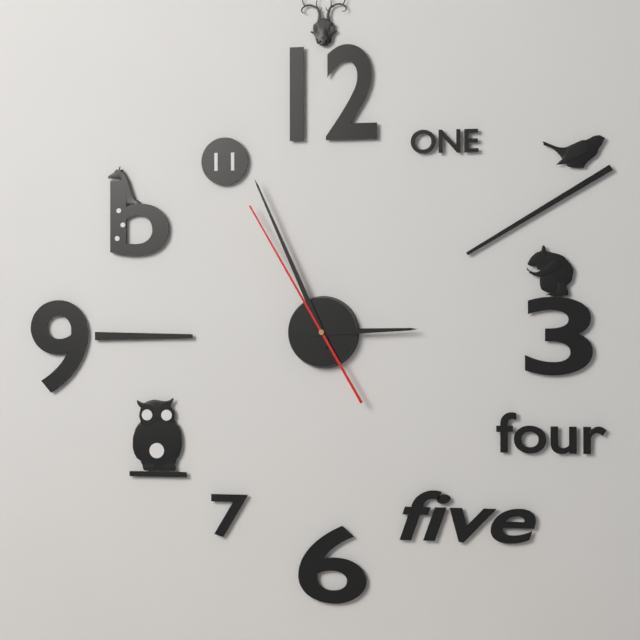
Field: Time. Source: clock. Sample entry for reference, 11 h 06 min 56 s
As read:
2 h 56 min 55 s
